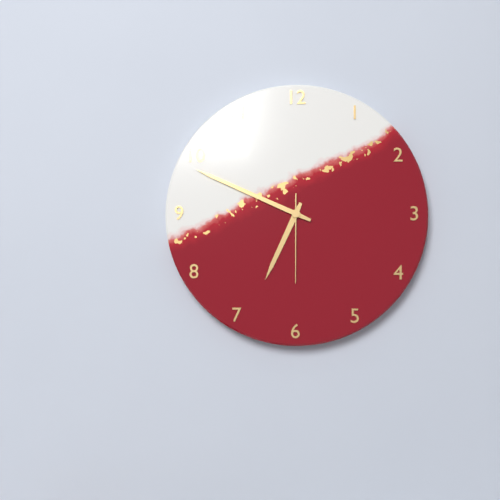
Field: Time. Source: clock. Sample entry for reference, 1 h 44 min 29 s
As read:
6 h 49 min 30 s
